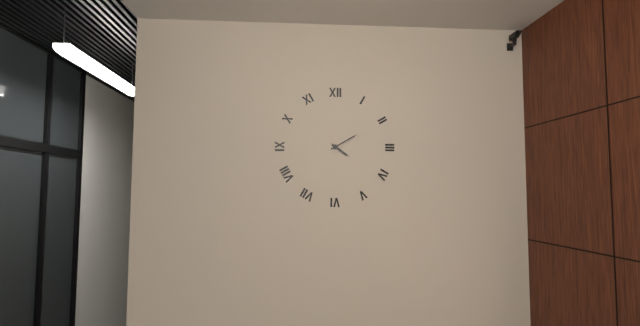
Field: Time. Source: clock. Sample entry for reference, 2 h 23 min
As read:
4 h 10 min
